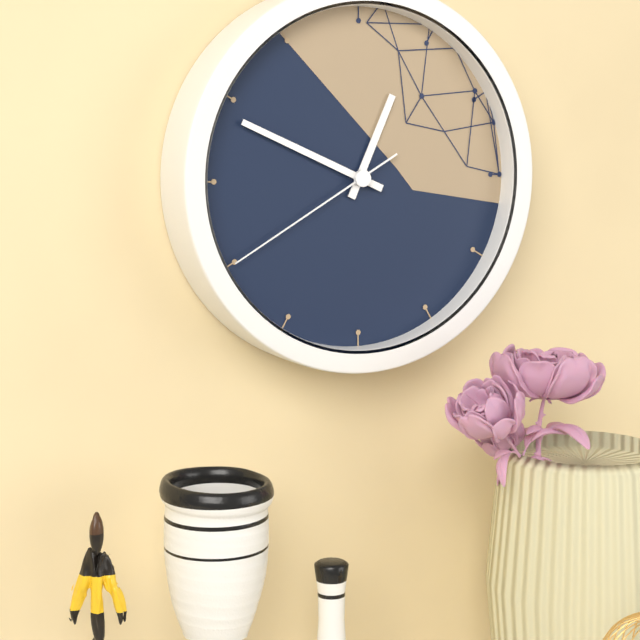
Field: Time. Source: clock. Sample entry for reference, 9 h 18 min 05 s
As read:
12 h 49 min 40 s
